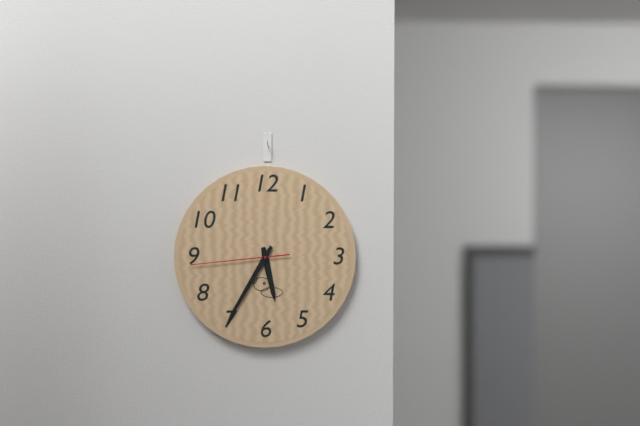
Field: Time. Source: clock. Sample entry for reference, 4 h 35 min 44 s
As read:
5 h 35 min 44 s
